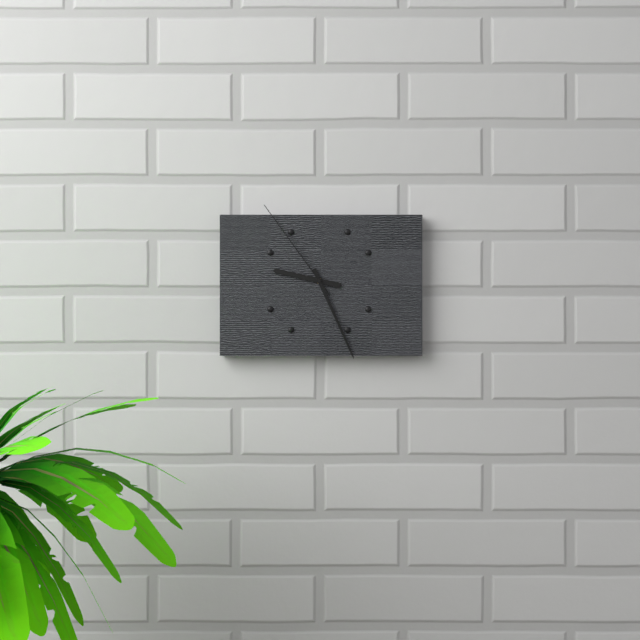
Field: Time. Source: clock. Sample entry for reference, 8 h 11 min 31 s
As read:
9 h 26 min 54 s
